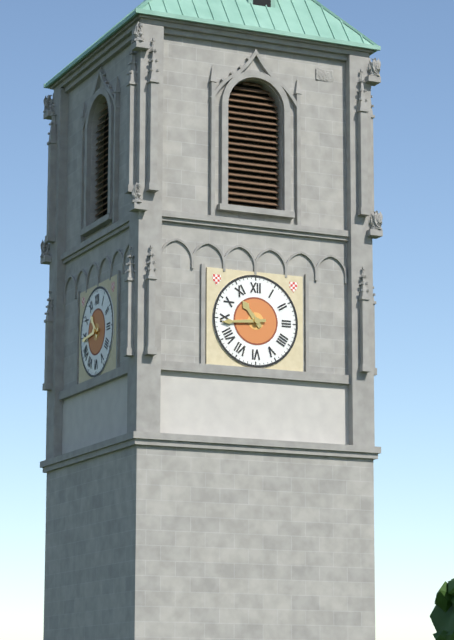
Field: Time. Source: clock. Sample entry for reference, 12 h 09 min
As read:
10 h 44 min
